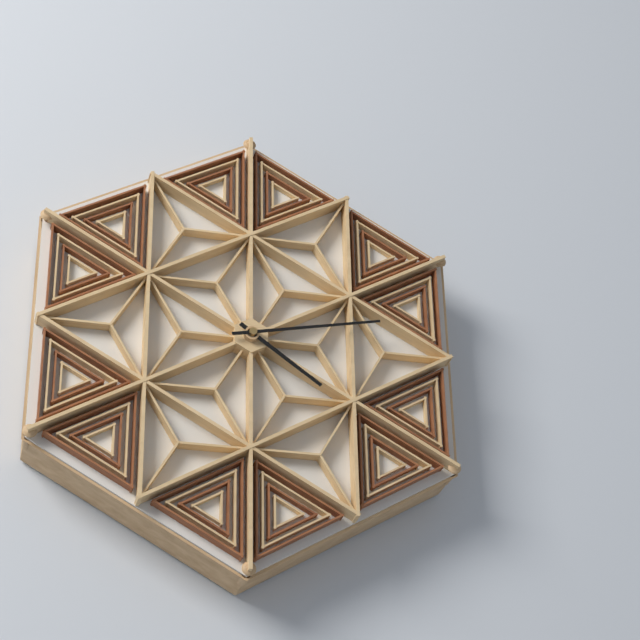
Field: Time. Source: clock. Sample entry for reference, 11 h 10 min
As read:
4 h 13 min
